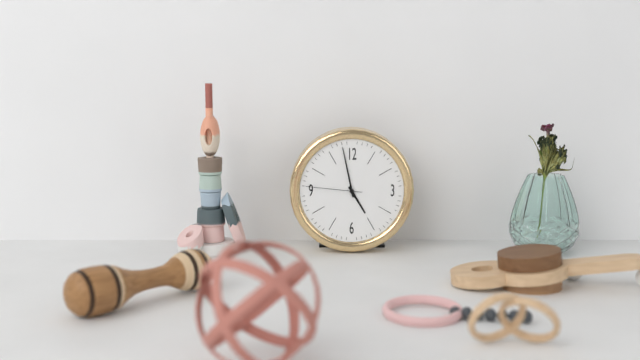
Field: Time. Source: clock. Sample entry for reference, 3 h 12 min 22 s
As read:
4 h 58 min 46 s
